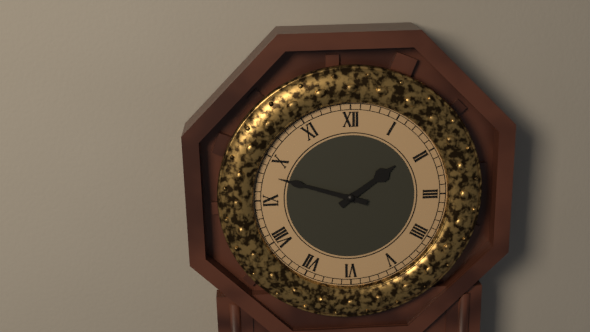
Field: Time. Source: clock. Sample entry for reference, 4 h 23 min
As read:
1 h 48 min
